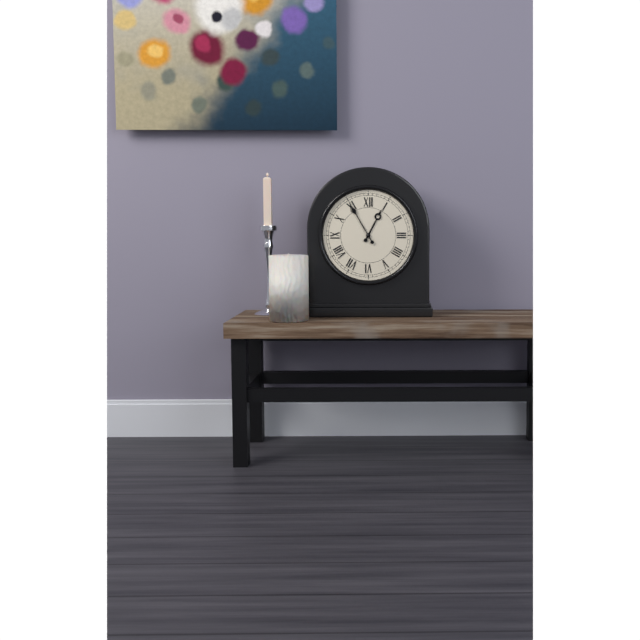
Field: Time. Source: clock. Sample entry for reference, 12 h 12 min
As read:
12 h 55 min
